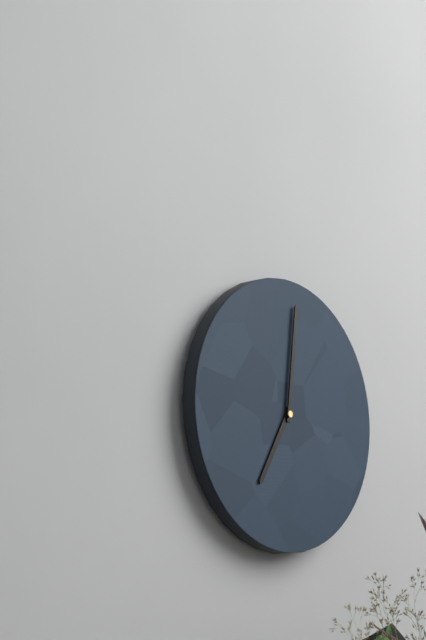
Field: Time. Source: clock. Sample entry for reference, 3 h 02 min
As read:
7 h 01 min
